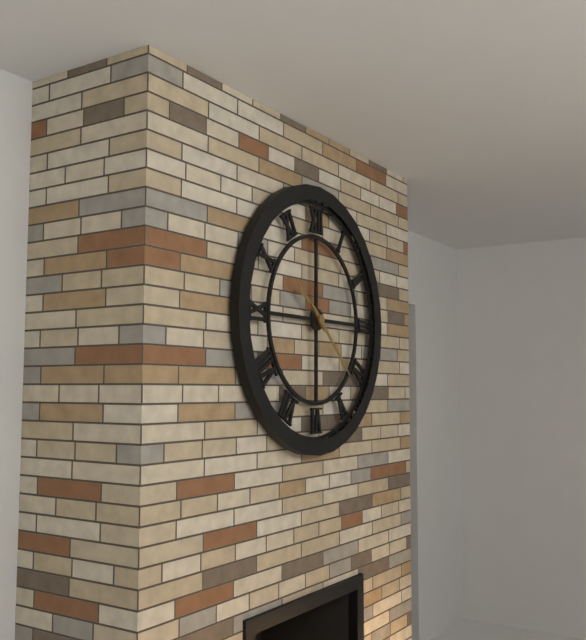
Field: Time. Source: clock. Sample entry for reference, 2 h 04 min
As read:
10 h 22 min
